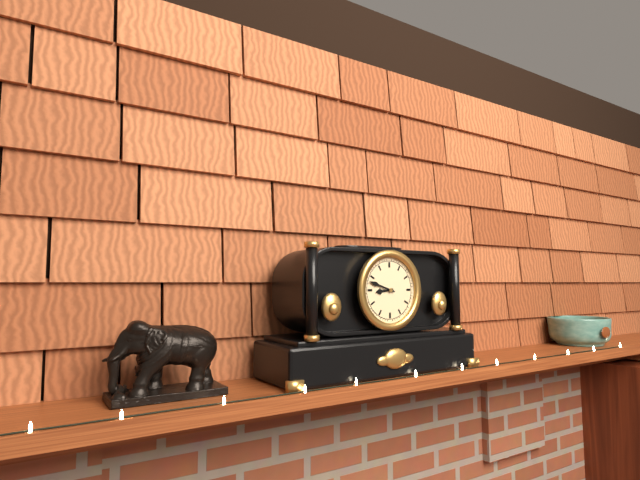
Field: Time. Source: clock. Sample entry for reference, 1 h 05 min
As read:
8 h 48 min
